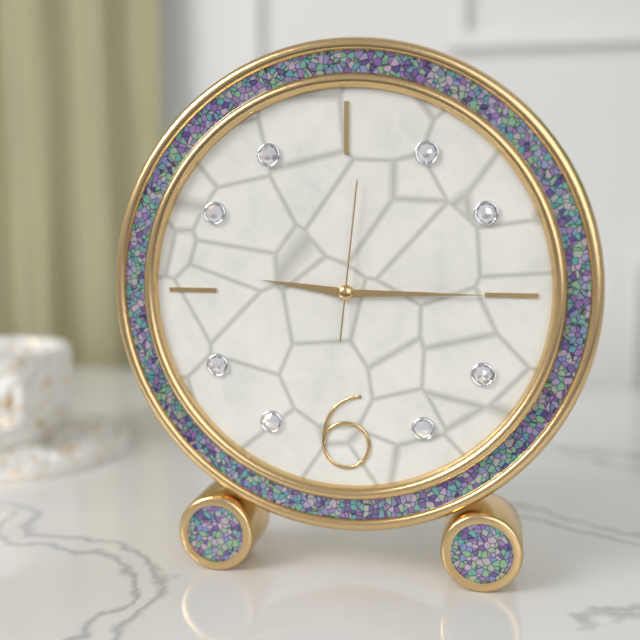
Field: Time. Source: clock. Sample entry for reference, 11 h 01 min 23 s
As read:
9 h 15 min 01 s
